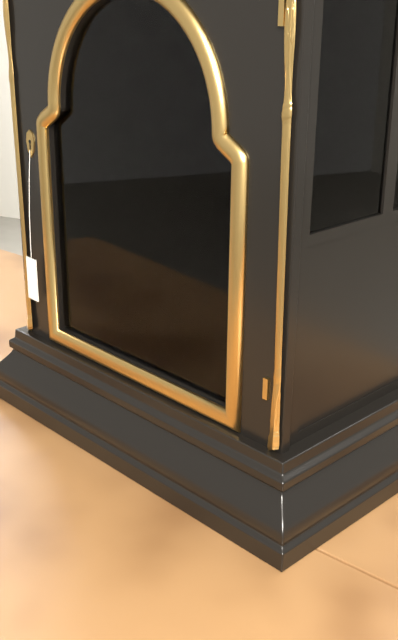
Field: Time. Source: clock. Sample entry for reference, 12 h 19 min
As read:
11 h 43 min
